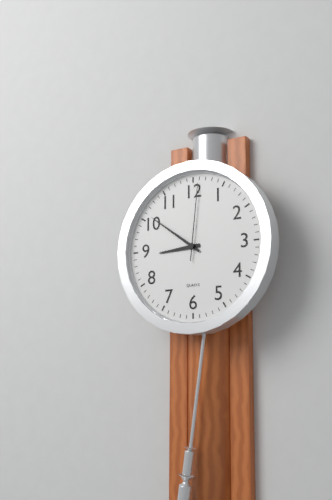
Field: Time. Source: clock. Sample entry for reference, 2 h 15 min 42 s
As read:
8 h 51 min 01 s
